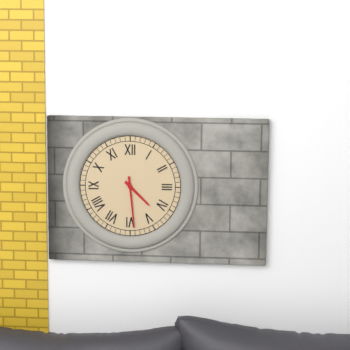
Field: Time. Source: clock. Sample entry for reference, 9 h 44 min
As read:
4 h 29 min
